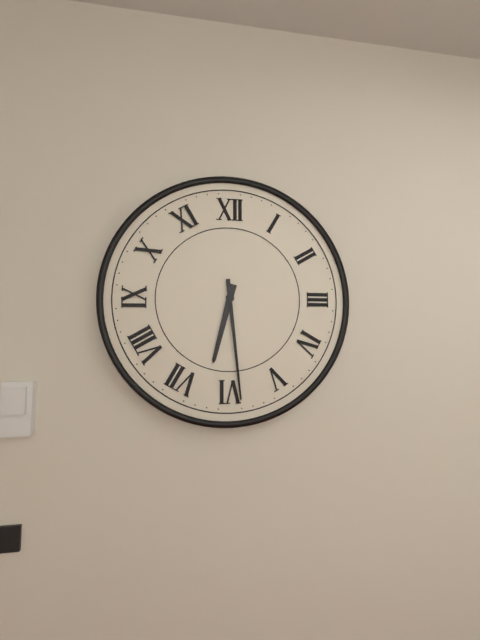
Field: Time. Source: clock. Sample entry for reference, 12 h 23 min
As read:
6 h 29 min
